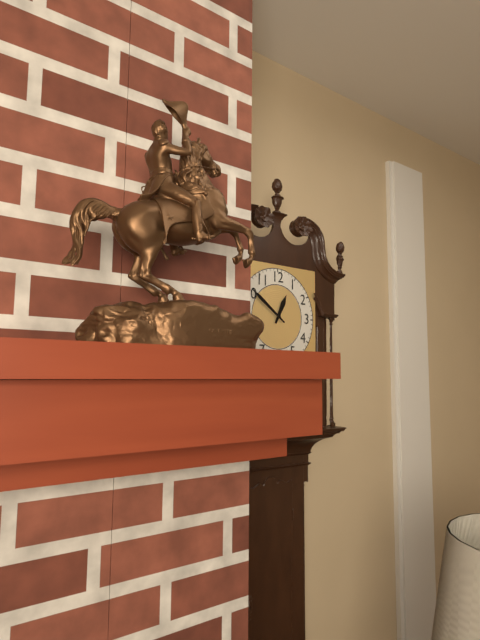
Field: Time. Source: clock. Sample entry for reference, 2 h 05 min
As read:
12 h 51 min
